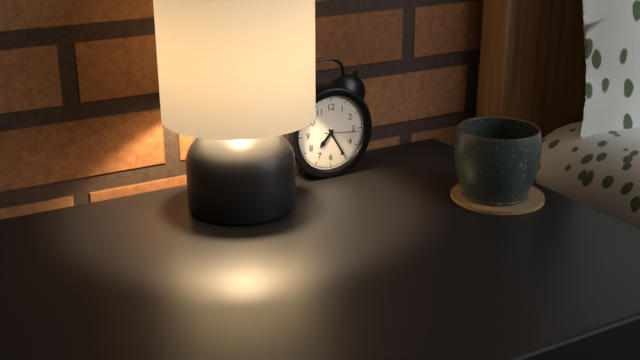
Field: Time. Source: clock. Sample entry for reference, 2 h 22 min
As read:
7 h 25 min
